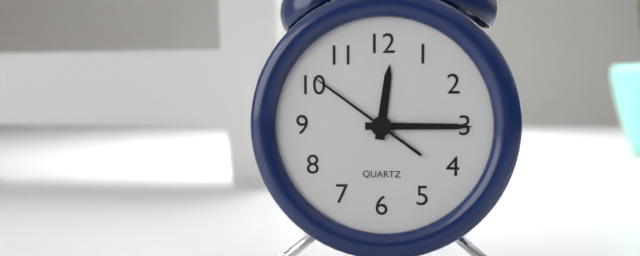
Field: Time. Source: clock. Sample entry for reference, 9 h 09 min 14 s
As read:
12 h 15 min 51 s
